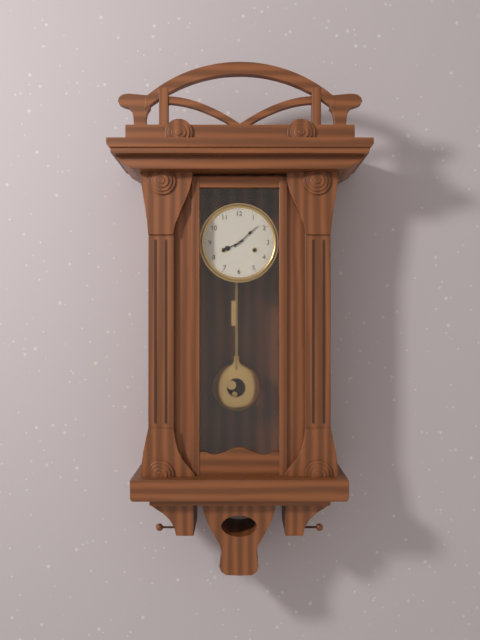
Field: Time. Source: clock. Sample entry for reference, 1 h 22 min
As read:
8 h 08 min
